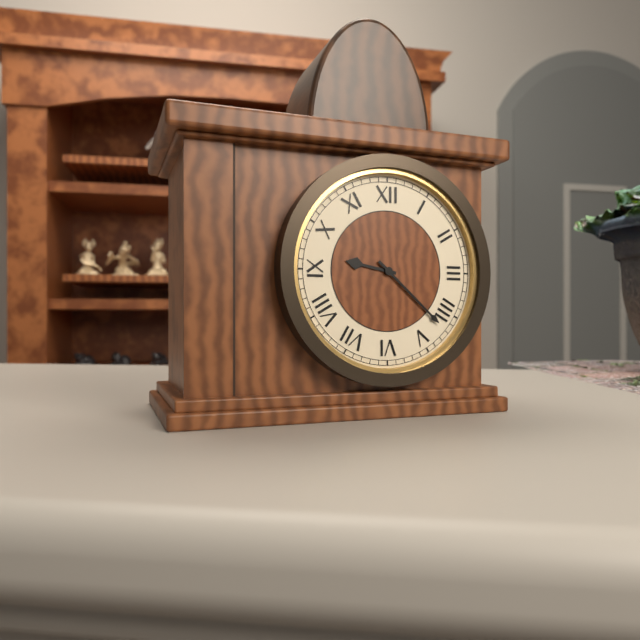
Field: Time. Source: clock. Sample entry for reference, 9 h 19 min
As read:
9 h 22 min
